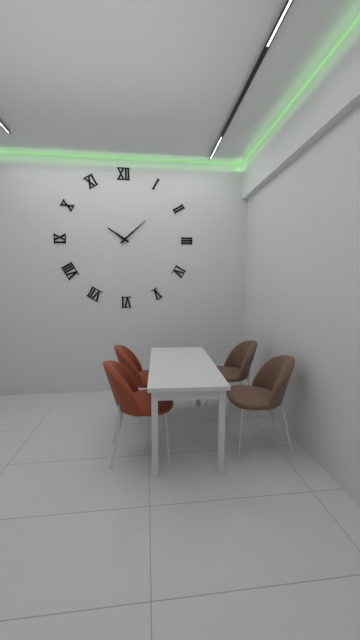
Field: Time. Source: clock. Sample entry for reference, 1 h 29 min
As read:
10 h 08 min
